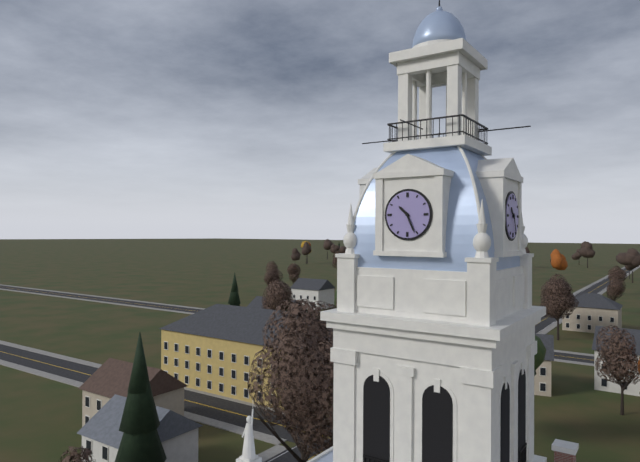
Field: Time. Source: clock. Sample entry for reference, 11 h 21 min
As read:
10 h 26 min
